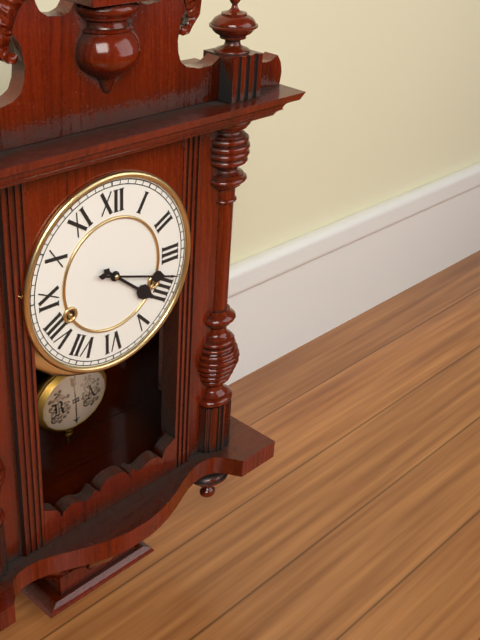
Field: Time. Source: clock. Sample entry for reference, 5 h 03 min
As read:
4 h 18 min
